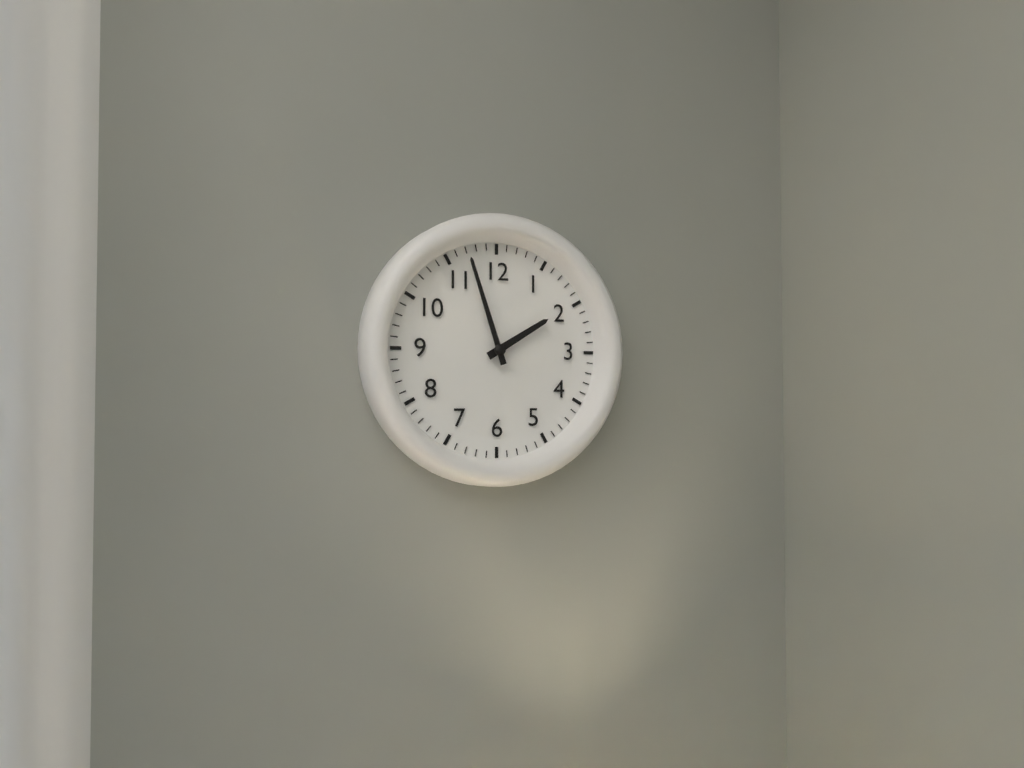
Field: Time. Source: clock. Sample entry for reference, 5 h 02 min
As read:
1 h 57 min
